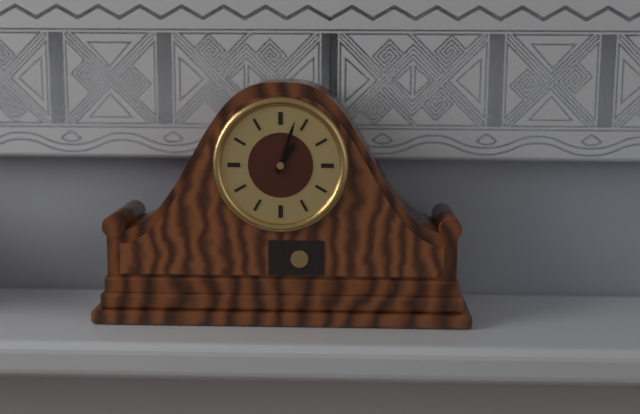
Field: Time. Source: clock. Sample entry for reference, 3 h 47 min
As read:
1 h 03 min
